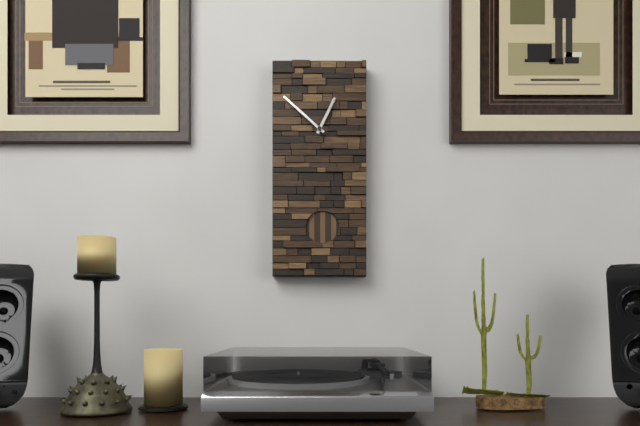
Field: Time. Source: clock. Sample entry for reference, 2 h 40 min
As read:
12 h 52 min
